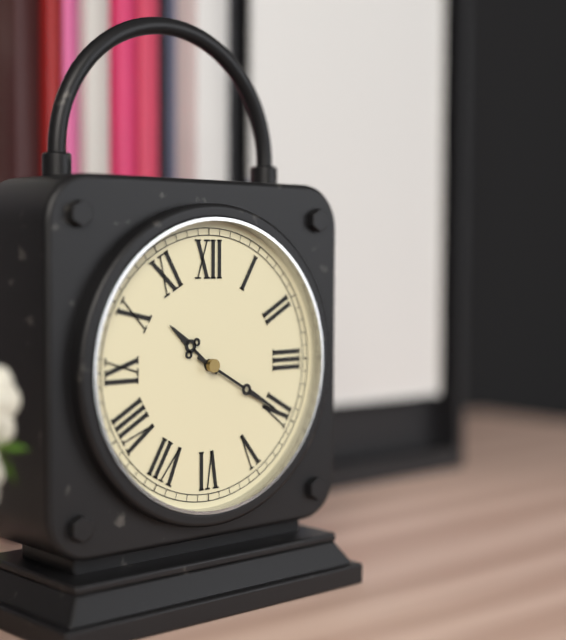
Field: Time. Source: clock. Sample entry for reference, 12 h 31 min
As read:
10 h 20 min
